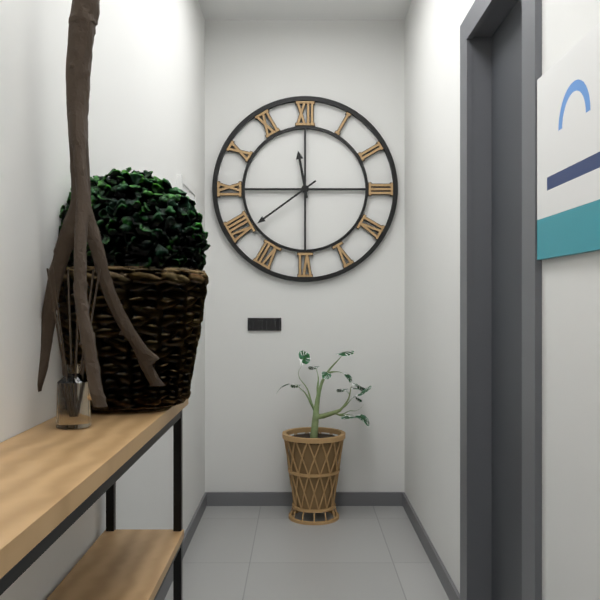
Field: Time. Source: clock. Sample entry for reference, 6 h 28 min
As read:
11 h 39 min
